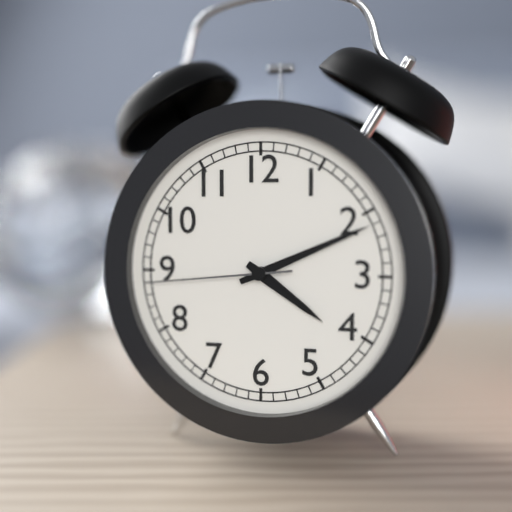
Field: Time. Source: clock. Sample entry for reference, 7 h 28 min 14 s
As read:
4 h 11 min 44 s
